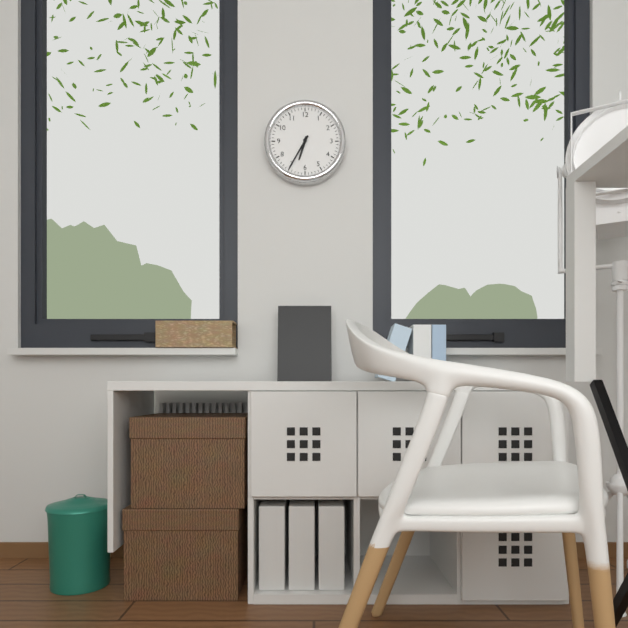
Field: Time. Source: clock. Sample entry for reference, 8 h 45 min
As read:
6 h 35 min
